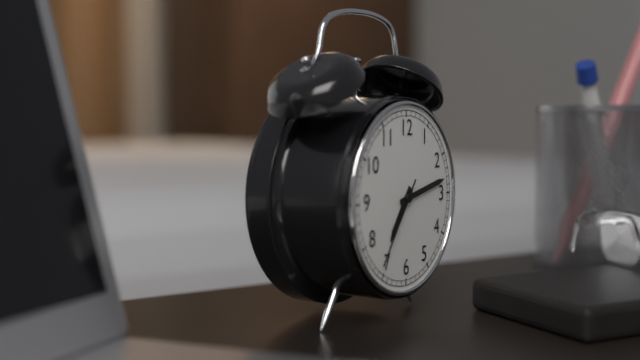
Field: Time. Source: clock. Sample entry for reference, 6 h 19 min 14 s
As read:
7 h 13 min 36 s
